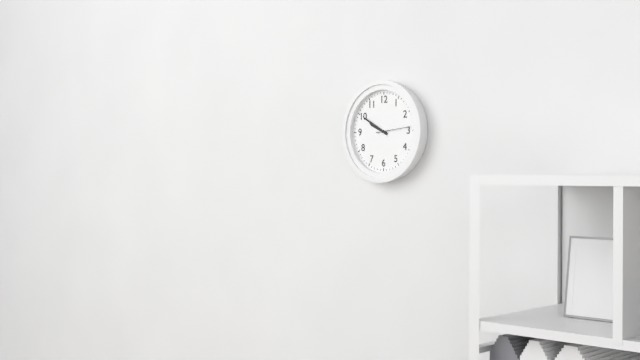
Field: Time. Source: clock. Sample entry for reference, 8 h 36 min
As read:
9 h 50 min
